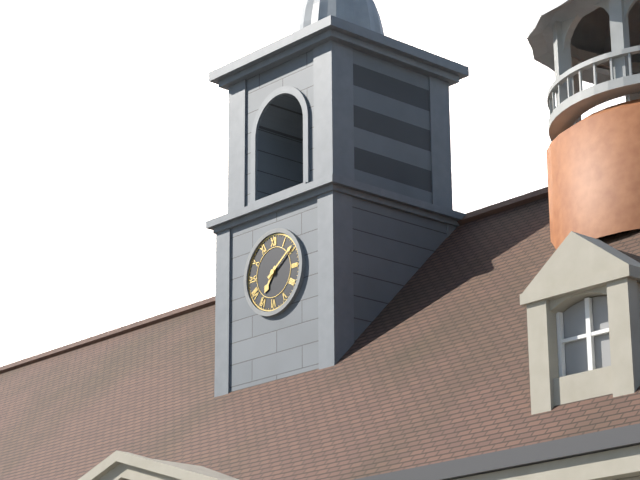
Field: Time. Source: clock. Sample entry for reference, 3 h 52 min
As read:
7 h 09 min
